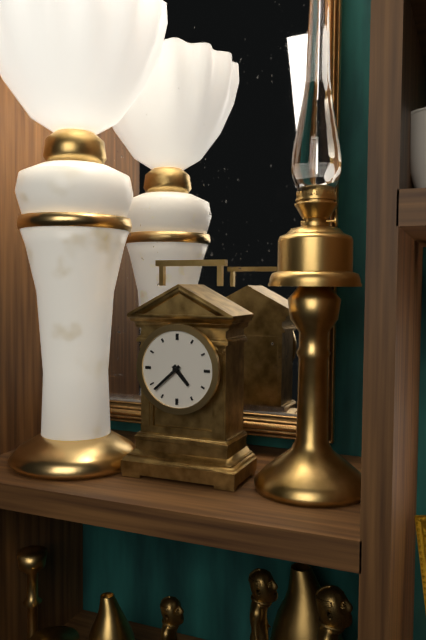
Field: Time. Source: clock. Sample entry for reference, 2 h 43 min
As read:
4 h 38 min
